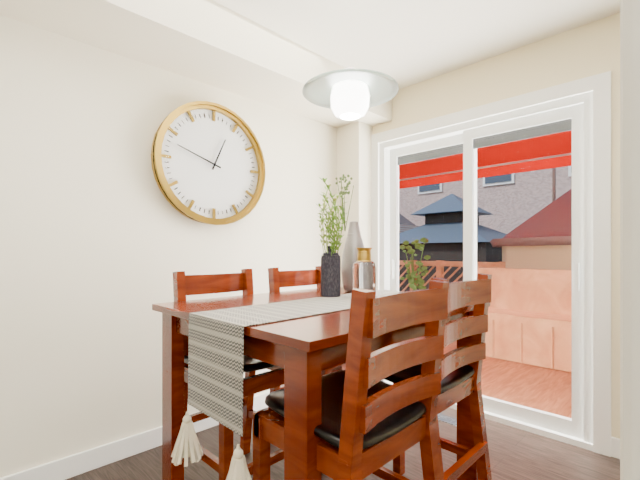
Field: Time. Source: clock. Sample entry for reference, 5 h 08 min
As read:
12 h 48 min
